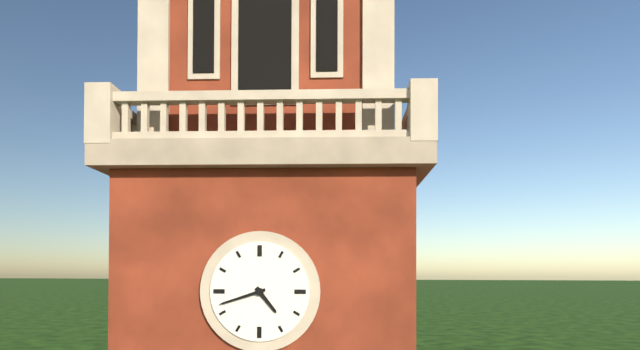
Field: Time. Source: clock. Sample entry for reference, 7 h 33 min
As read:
4 h 42 min
